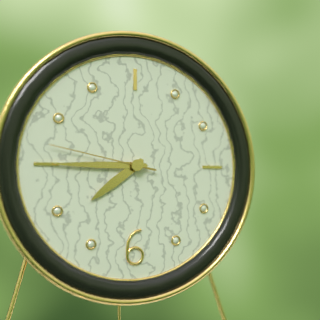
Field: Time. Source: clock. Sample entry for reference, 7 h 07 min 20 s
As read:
7 h 45 min 47 s
